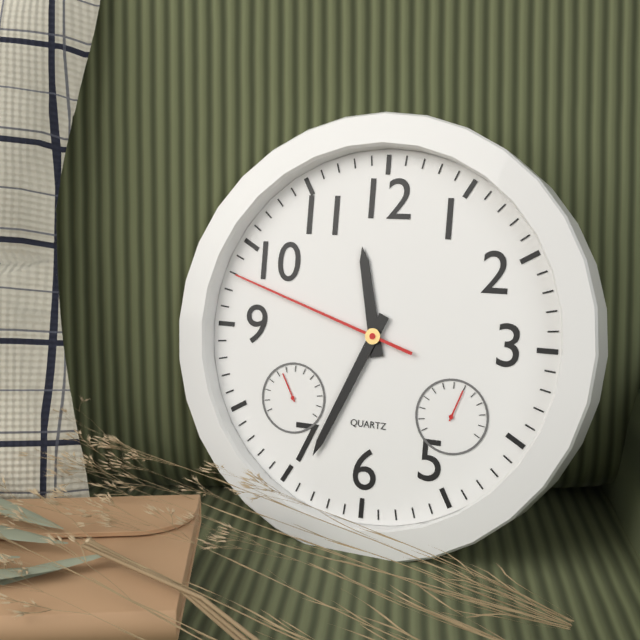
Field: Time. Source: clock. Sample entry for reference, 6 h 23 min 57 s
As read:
11 h 34 min 48 s
